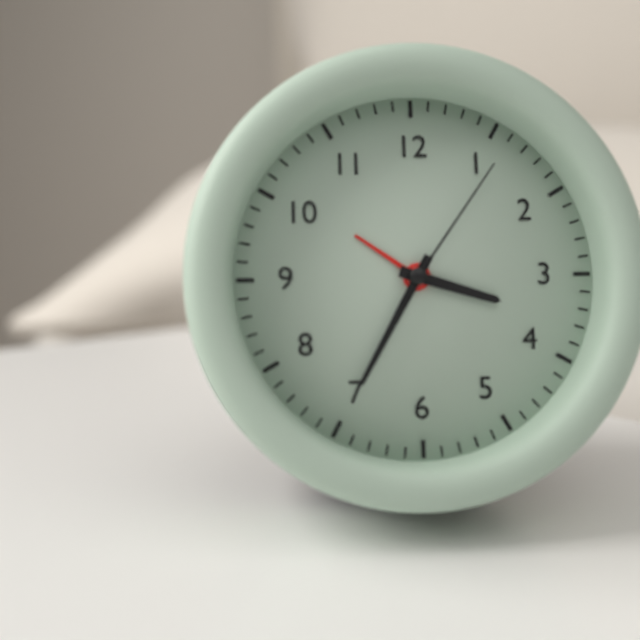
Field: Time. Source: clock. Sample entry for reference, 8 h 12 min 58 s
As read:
3 h 35 min 06 s
